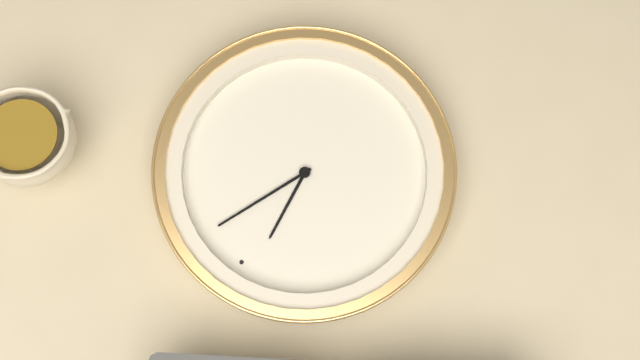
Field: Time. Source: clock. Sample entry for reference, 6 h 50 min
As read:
11 h 00 min
